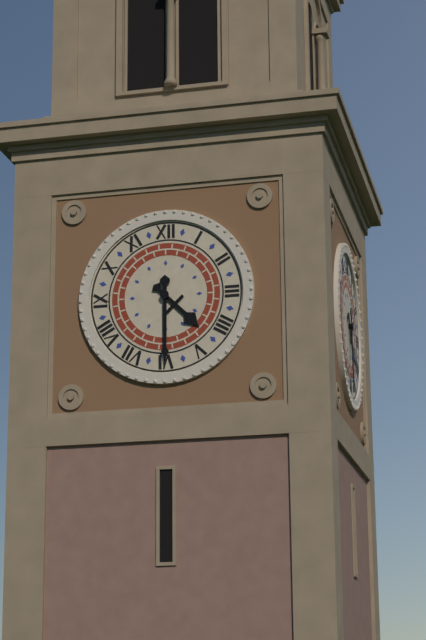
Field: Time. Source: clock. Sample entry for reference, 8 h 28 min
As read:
4 h 30 min
